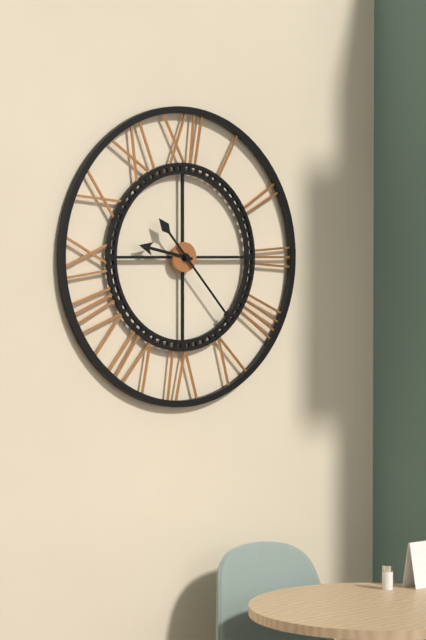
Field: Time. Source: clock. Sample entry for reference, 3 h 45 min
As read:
9 h 23 min
